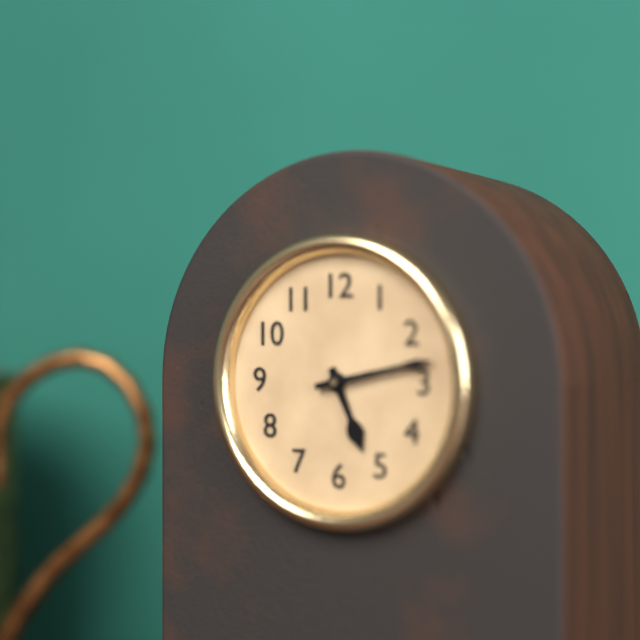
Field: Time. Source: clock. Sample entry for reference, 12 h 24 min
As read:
5 h 13 min
